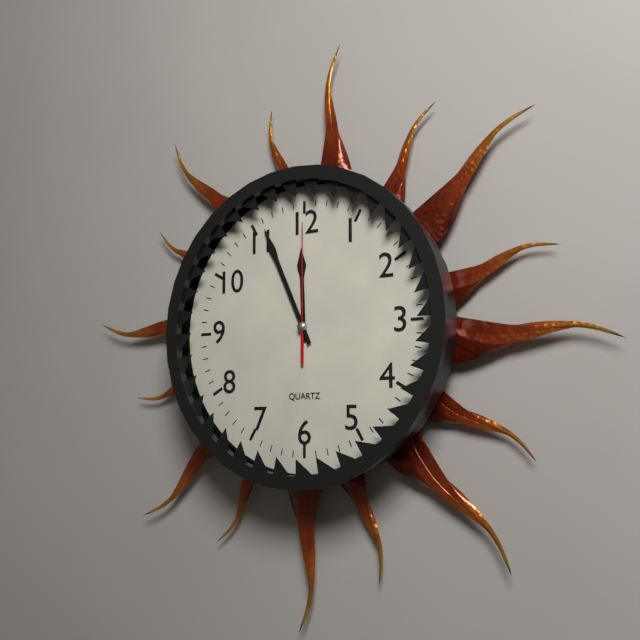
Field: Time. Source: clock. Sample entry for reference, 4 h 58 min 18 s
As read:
11 h 56 min 00 s
